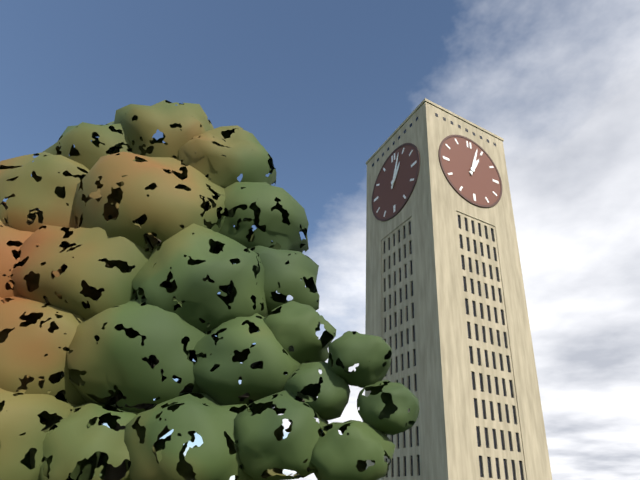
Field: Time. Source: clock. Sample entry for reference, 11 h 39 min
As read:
1 h 03 min
